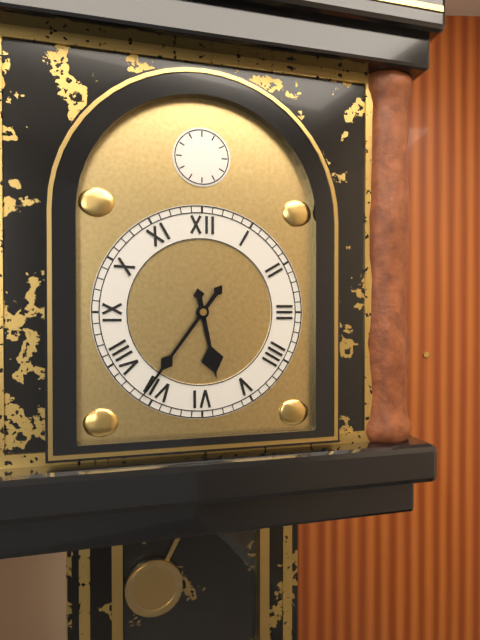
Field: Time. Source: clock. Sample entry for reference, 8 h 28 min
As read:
5 h 36 min
